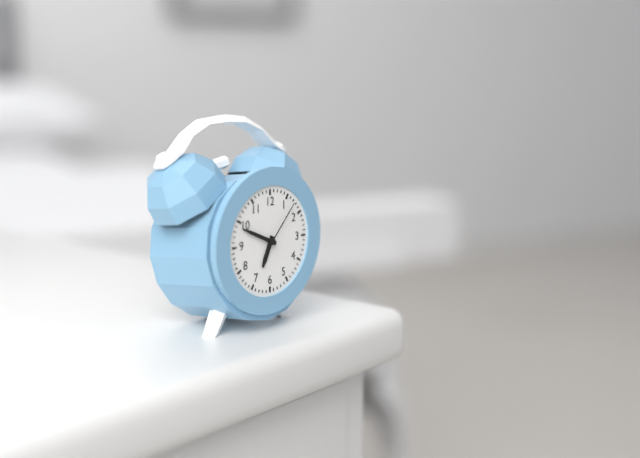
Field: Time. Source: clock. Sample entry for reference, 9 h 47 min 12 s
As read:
6 h 49 min 07 s
